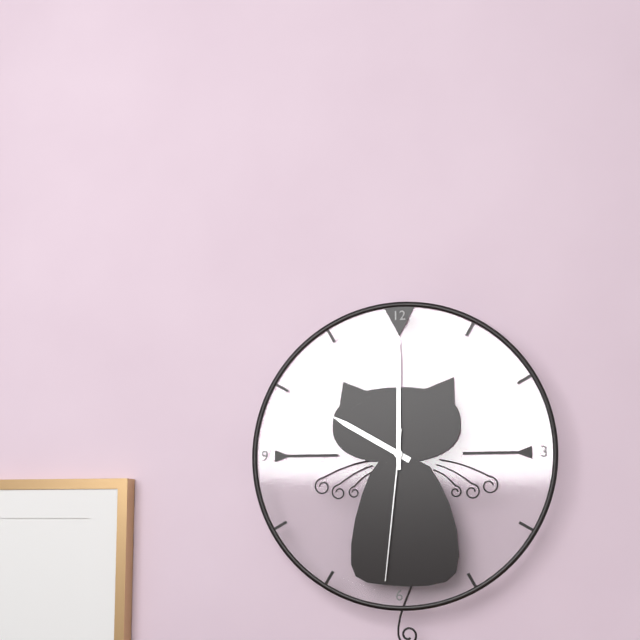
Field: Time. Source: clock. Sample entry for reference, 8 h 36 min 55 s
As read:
10 h 00 min 31 s
